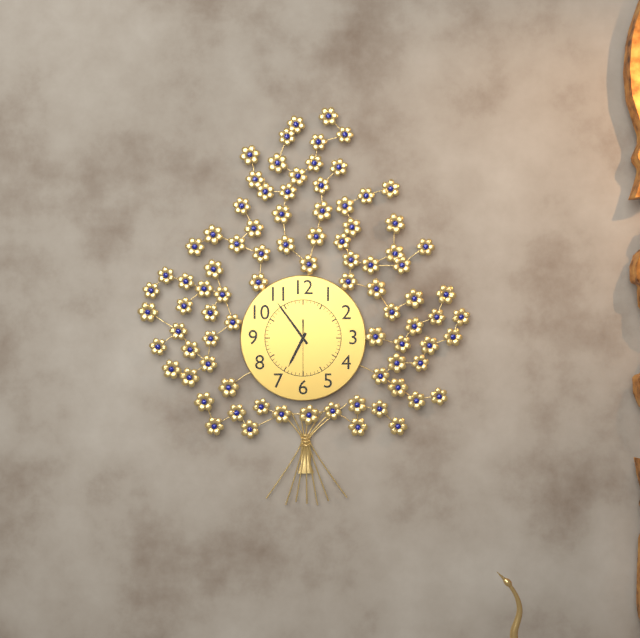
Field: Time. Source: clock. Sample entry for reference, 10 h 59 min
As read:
6 h 54 min
